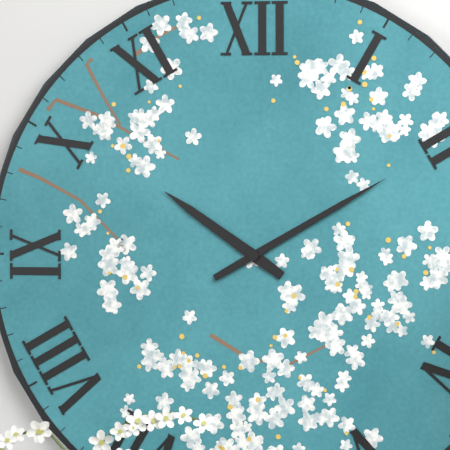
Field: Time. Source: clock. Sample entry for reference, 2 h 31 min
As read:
10 h 10 min
